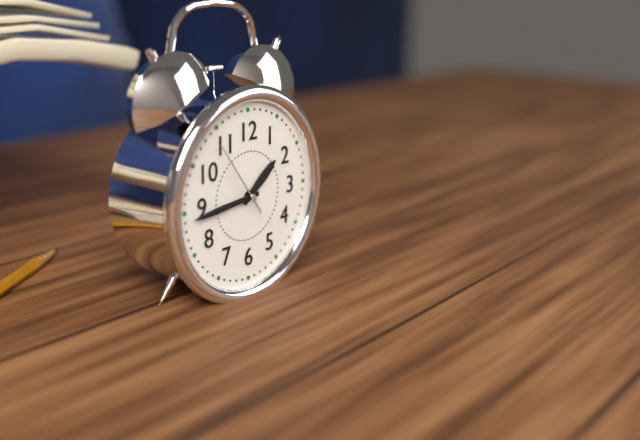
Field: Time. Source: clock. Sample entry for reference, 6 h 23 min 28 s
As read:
1 h 44 min 54 s
